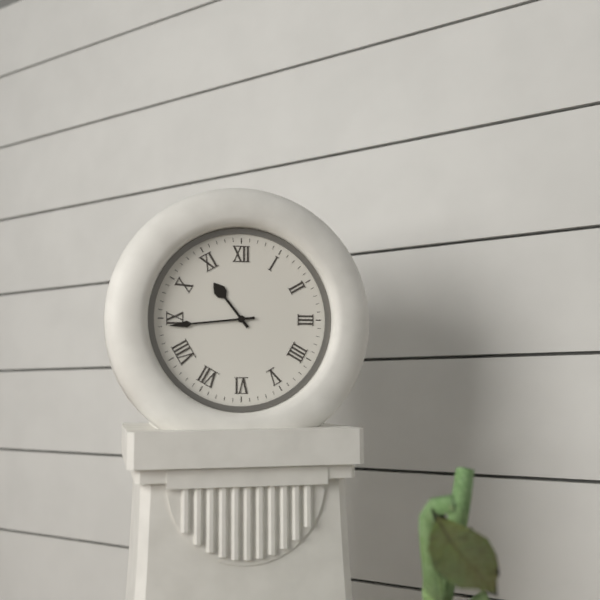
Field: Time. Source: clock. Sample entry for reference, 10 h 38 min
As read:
10 h 44 min
